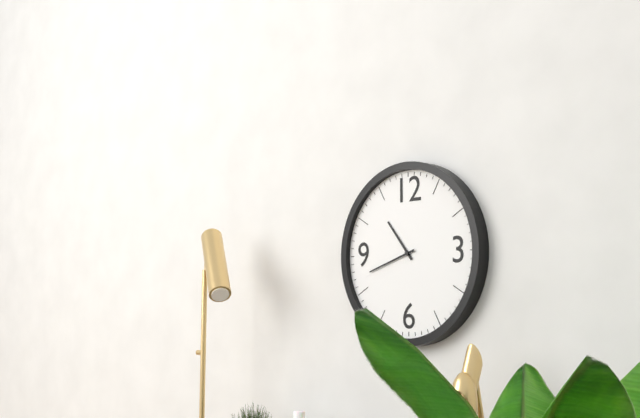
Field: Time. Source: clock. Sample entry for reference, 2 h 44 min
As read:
10 h 42 min
